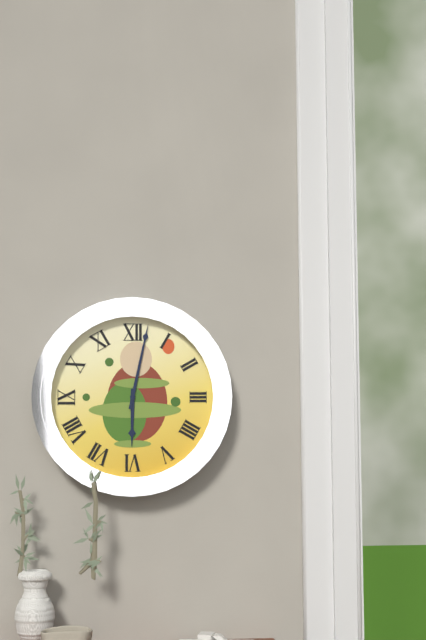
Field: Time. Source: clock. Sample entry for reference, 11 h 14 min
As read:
6 h 02 min
